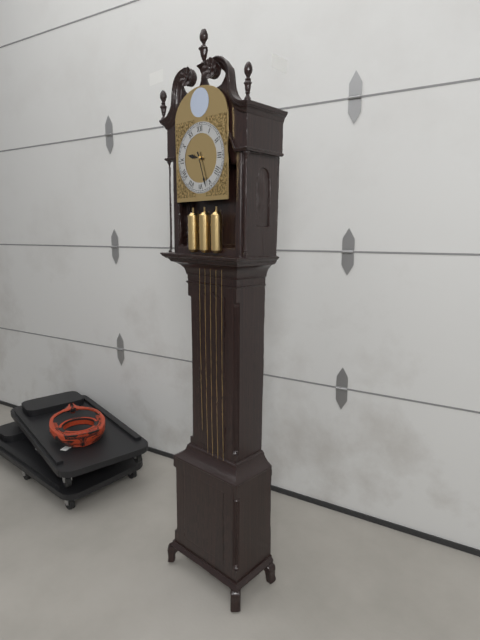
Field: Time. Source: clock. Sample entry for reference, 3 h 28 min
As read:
9 h 27 min
